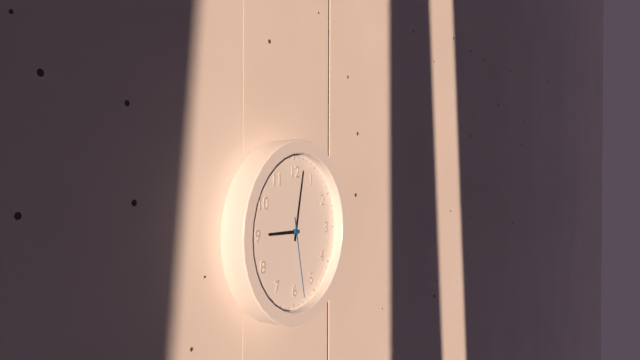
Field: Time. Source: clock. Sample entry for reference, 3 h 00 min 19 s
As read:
9 h 02 min 28 s
